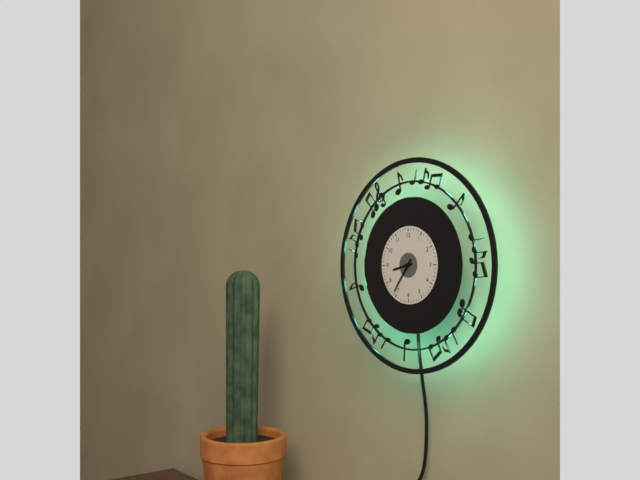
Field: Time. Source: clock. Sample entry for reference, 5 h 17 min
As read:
8 h 36 min
